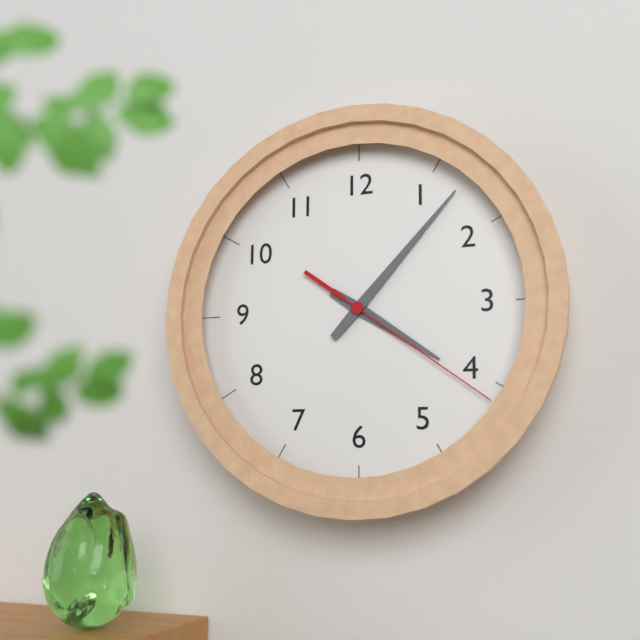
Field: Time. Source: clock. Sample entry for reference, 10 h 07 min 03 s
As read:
4 h 07 min 21 s
